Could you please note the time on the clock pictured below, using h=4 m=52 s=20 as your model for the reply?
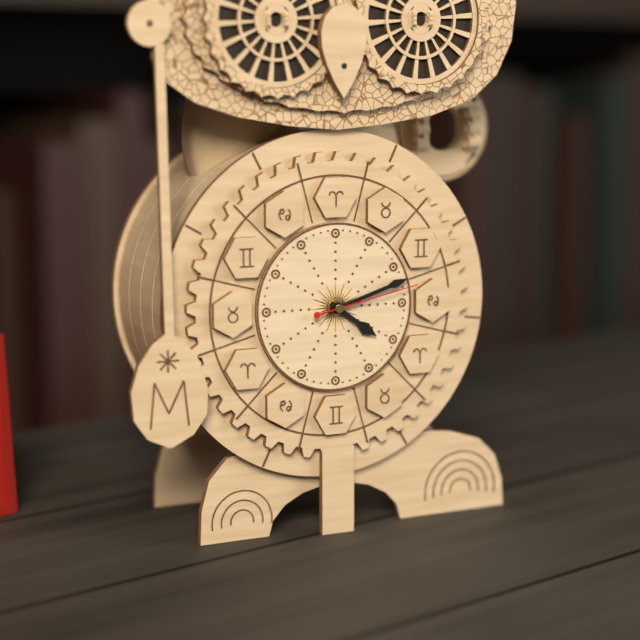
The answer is h=4 m=12 s=13
